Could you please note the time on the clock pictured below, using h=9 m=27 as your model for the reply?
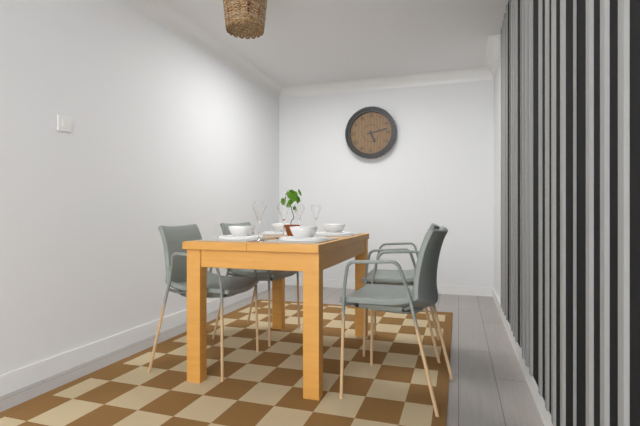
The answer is h=5 m=13
